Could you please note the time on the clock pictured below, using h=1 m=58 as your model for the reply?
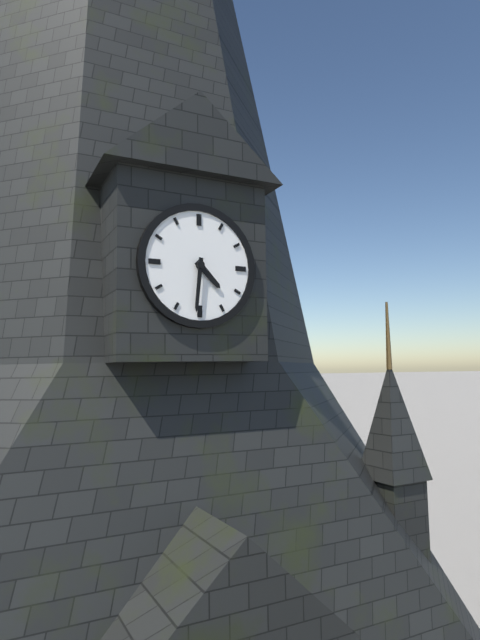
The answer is h=4 m=31
